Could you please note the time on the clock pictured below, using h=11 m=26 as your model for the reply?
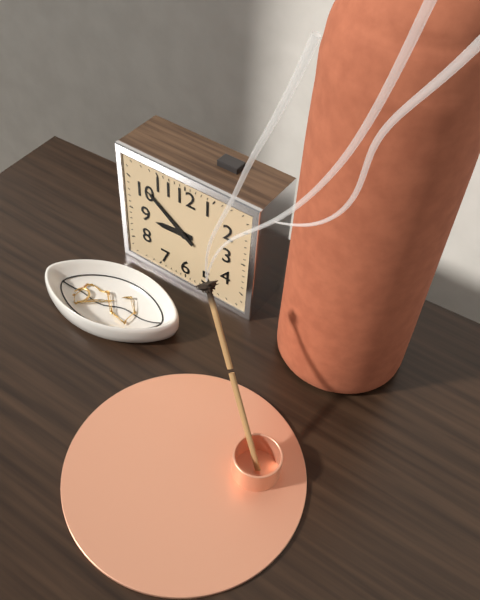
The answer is h=8 m=51
